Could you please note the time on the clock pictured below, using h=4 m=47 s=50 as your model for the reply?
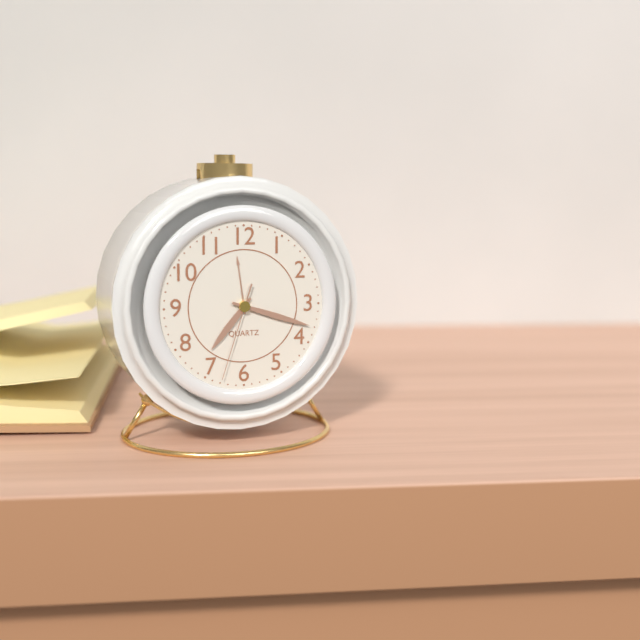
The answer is h=7 m=18 s=33
